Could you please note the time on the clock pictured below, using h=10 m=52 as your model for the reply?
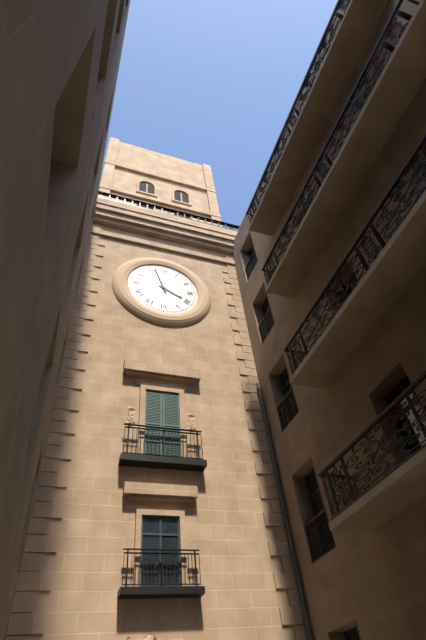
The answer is h=3 m=57
